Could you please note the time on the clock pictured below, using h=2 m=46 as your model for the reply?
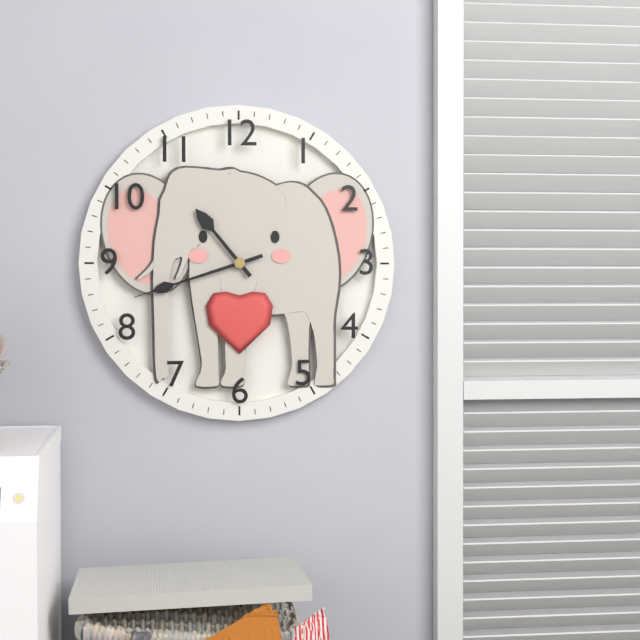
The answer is h=10 m=42
